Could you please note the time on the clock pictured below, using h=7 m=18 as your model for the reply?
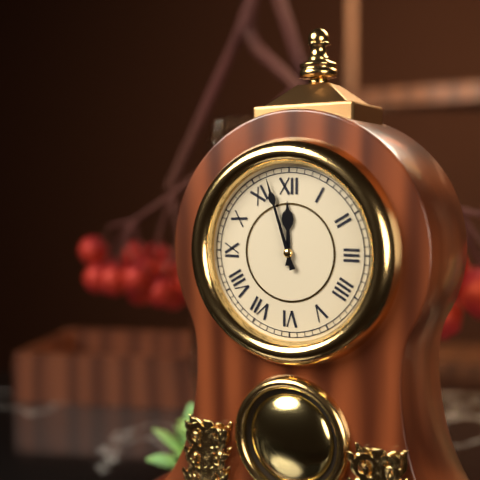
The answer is h=11 m=57
